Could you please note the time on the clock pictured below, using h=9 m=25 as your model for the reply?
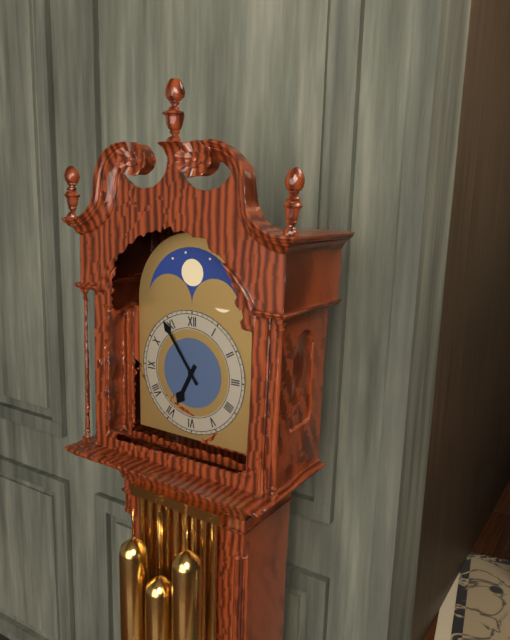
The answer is h=6 m=54
